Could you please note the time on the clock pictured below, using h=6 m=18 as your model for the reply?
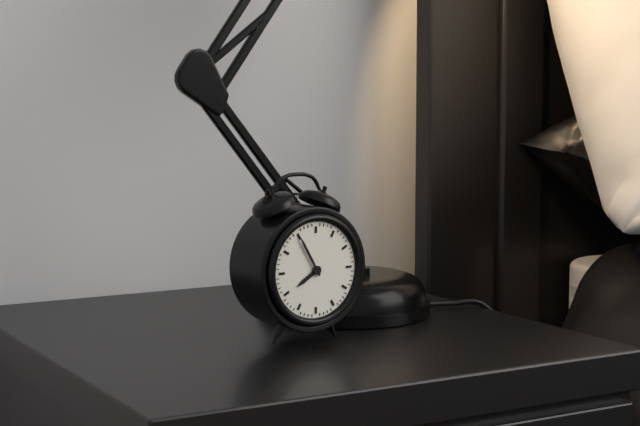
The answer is h=7 m=55
